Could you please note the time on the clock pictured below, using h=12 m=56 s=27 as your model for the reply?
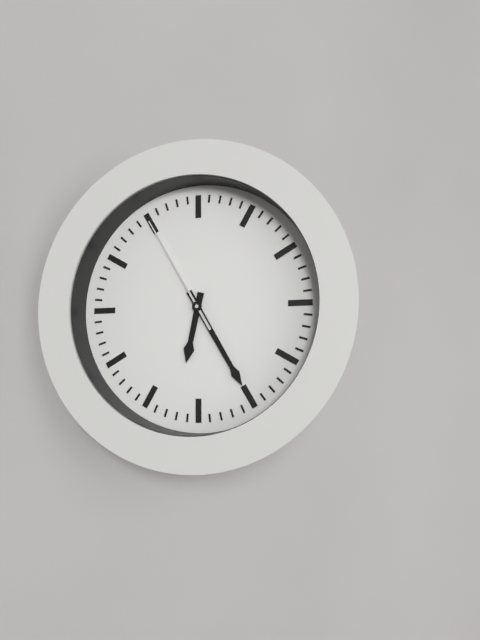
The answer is h=6 m=25 s=55
